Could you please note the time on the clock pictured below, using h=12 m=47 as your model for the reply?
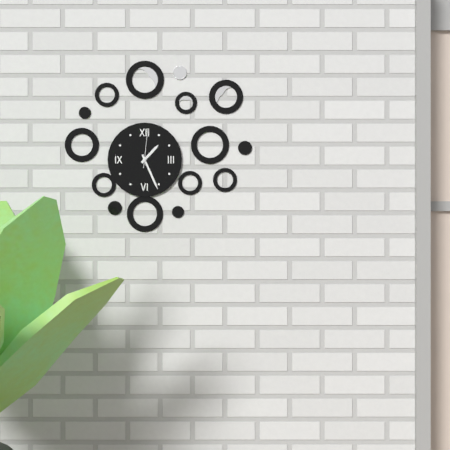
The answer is h=1 m=26
